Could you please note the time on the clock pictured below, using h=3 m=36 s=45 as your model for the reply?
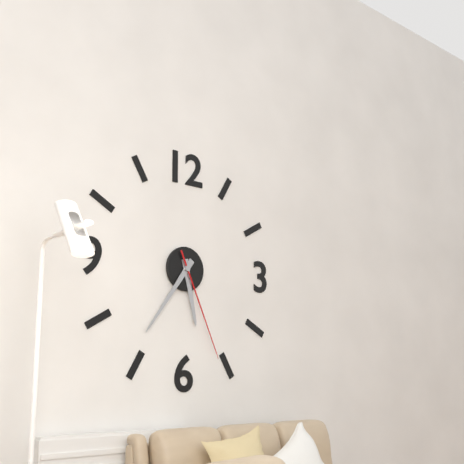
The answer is h=5 m=36 s=26
